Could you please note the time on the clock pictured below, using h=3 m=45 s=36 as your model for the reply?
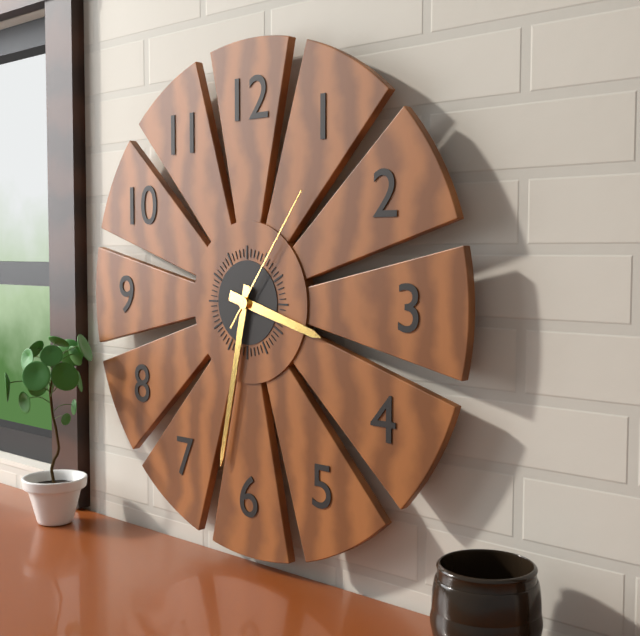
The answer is h=3 m=32 s=6
